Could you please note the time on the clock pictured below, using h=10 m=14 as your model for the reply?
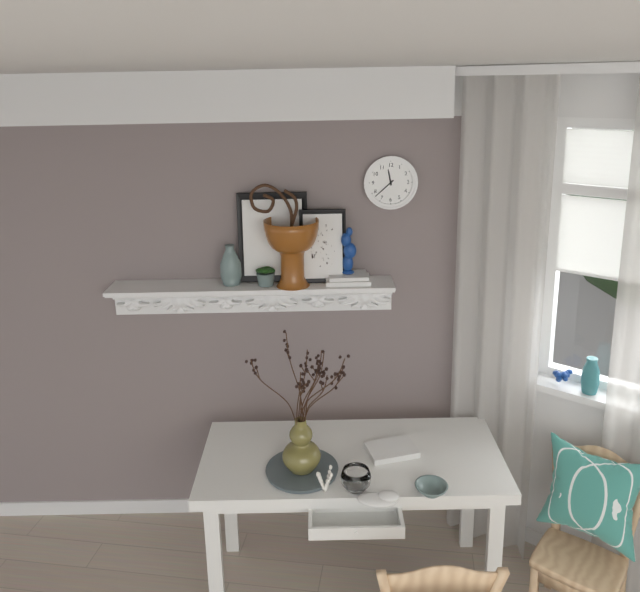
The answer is h=11 m=38
